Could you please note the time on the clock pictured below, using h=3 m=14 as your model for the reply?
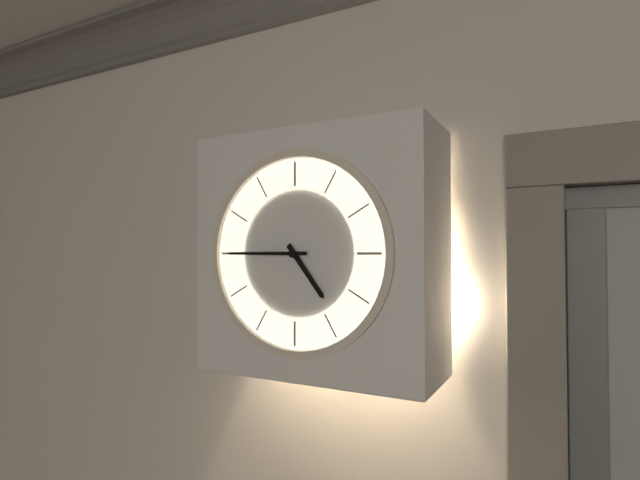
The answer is h=4 m=45
